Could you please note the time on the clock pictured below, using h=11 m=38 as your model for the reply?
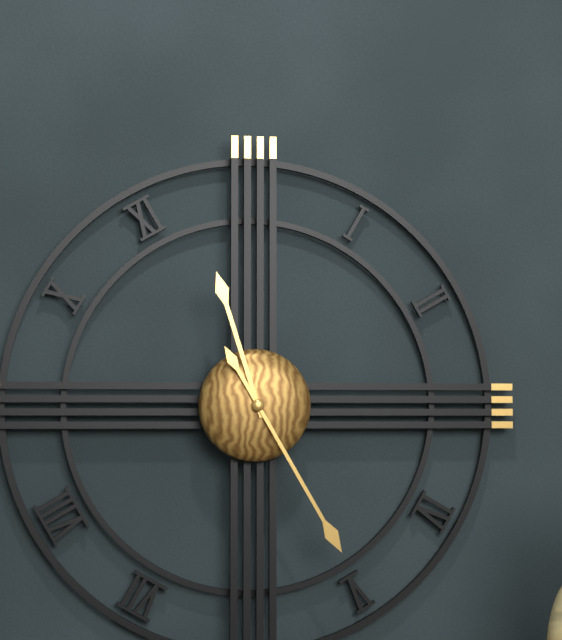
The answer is h=11 m=25
